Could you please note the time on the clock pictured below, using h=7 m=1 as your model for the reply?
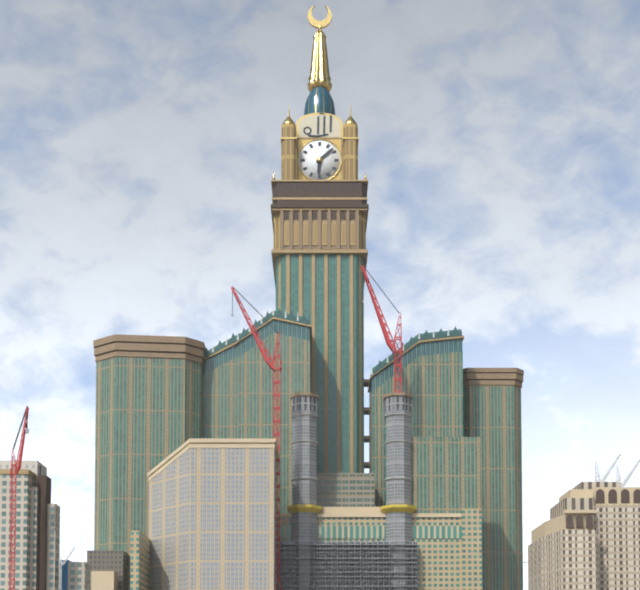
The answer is h=6 m=8
